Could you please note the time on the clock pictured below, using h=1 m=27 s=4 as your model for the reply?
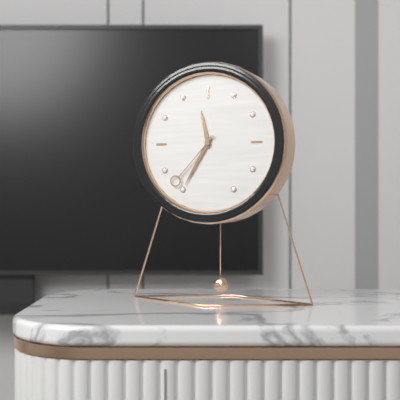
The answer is h=11 m=35 s=37
